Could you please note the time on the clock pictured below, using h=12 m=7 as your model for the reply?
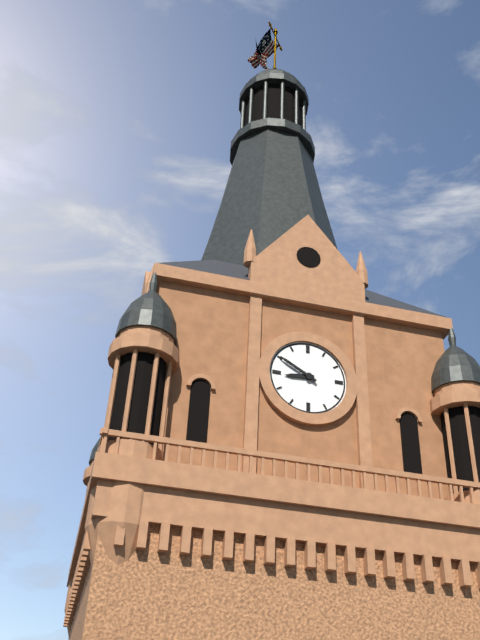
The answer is h=8 m=50
